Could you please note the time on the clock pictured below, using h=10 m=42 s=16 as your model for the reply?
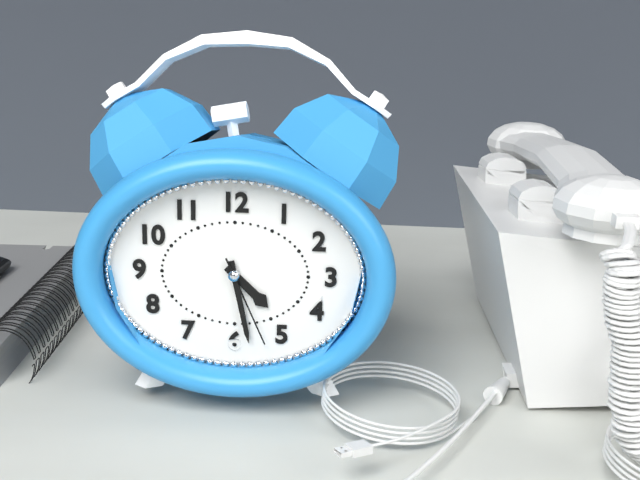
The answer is h=4 m=28 s=26
